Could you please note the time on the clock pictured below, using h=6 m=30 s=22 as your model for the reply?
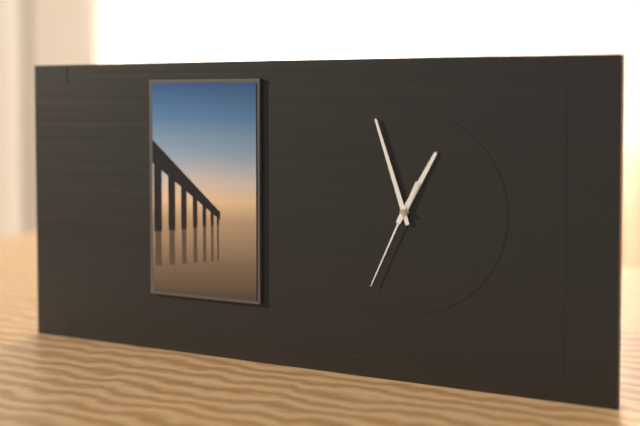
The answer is h=12 m=57 s=34
